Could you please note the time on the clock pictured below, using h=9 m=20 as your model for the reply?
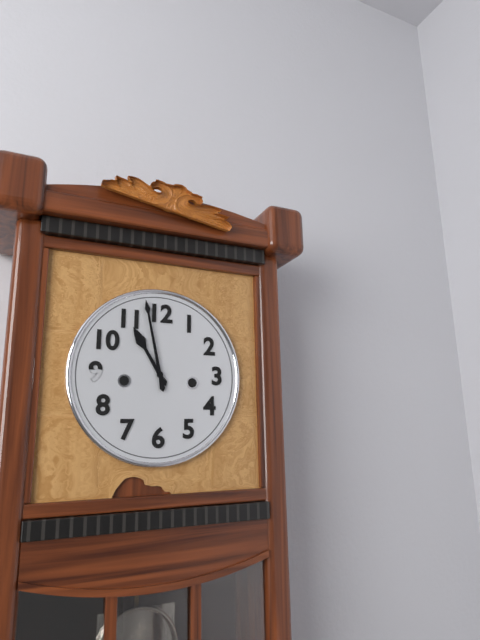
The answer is h=10 m=58
